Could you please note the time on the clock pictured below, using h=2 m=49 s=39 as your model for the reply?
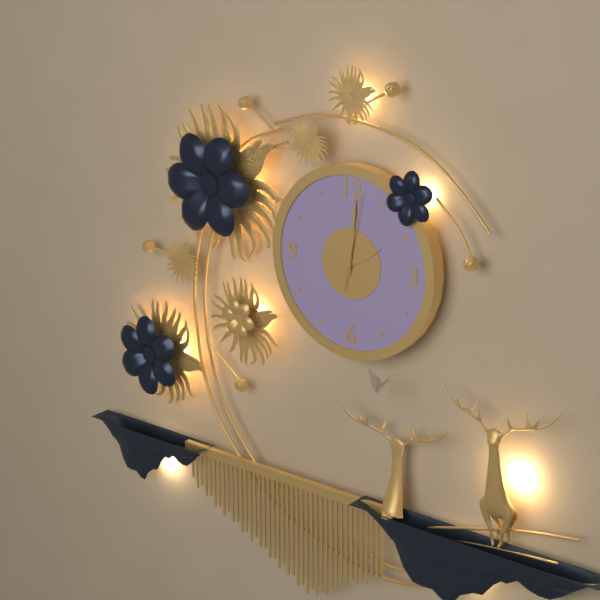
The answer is h=2 m=1 s=2
